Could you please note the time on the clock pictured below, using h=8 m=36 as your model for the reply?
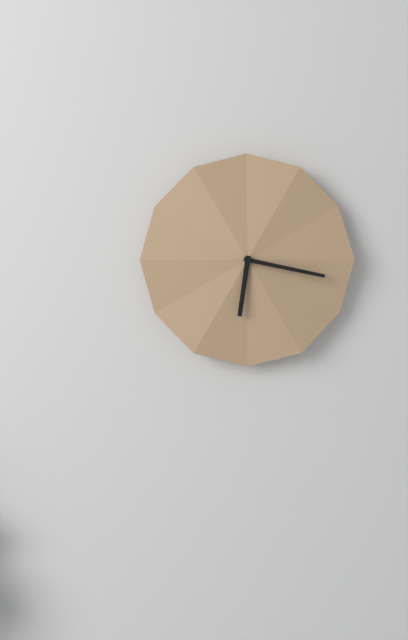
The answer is h=6 m=17
